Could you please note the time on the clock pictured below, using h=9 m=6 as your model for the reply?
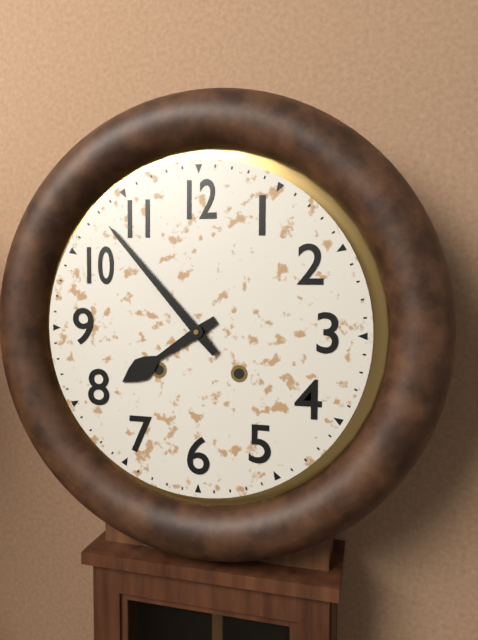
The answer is h=7 m=53
